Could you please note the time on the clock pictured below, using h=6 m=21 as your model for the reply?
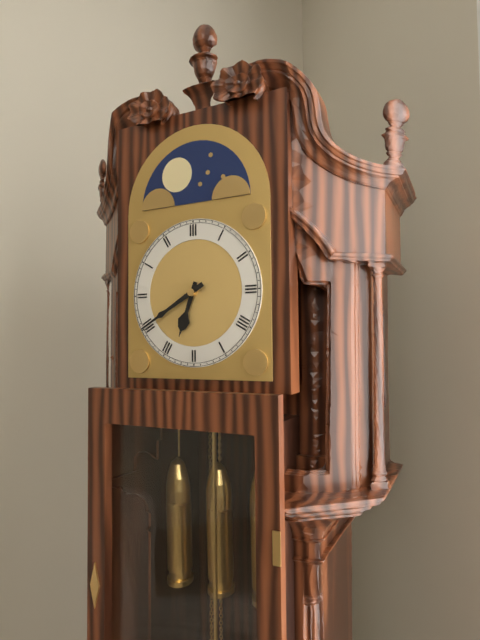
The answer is h=6 m=40
